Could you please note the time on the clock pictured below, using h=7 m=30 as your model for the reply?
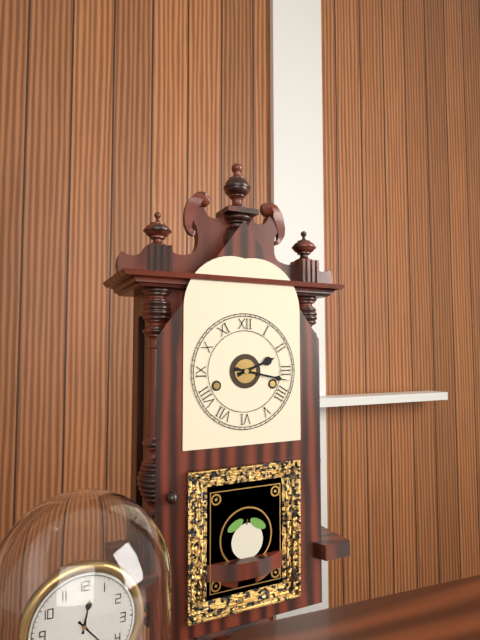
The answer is h=2 m=17
